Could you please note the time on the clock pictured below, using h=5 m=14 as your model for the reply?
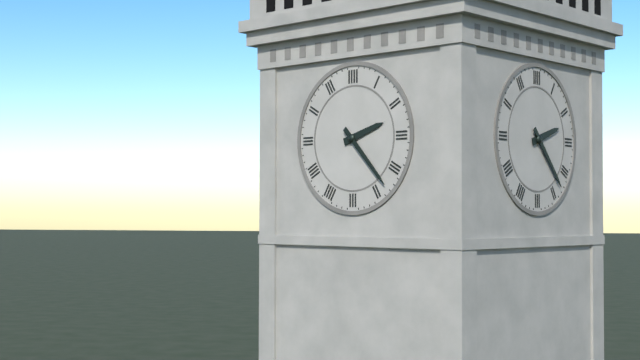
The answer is h=2 m=23
